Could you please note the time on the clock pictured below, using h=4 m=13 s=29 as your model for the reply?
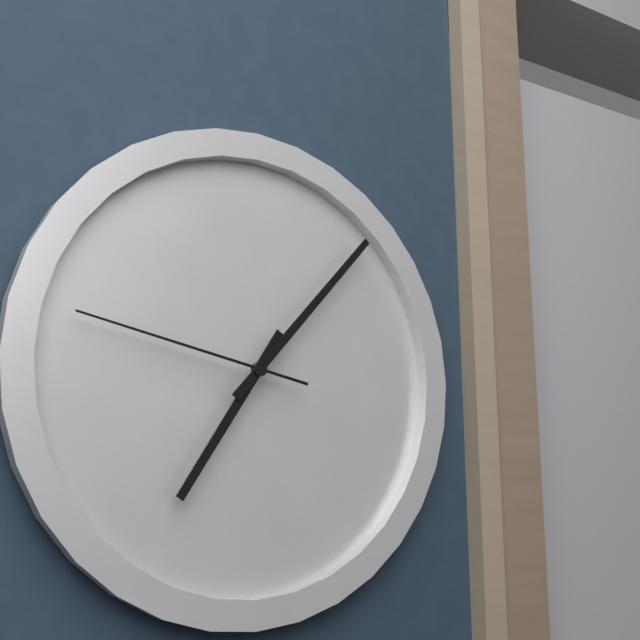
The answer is h=7 m=7 s=47
